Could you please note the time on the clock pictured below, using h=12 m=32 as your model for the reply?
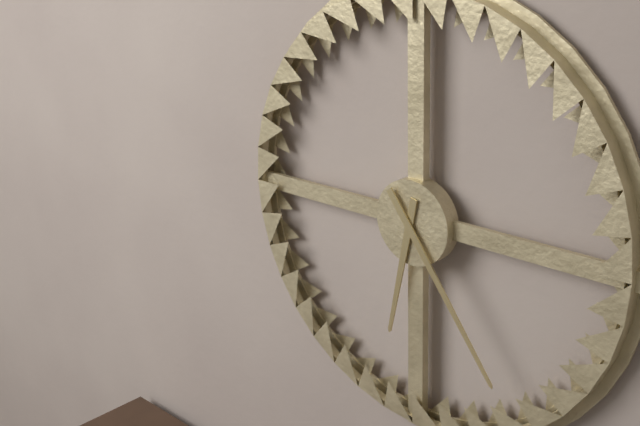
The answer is h=6 m=24
